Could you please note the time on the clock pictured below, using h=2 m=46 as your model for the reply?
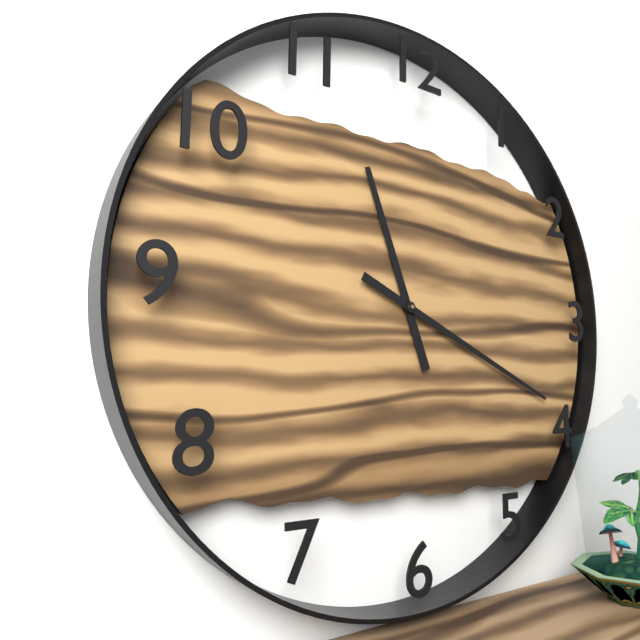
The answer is h=11 m=19
